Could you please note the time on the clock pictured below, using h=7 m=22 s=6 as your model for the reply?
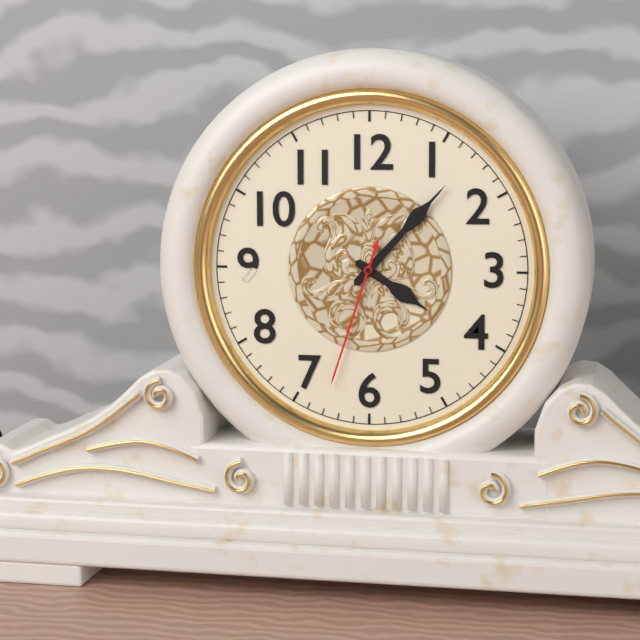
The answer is h=4 m=7 s=33
